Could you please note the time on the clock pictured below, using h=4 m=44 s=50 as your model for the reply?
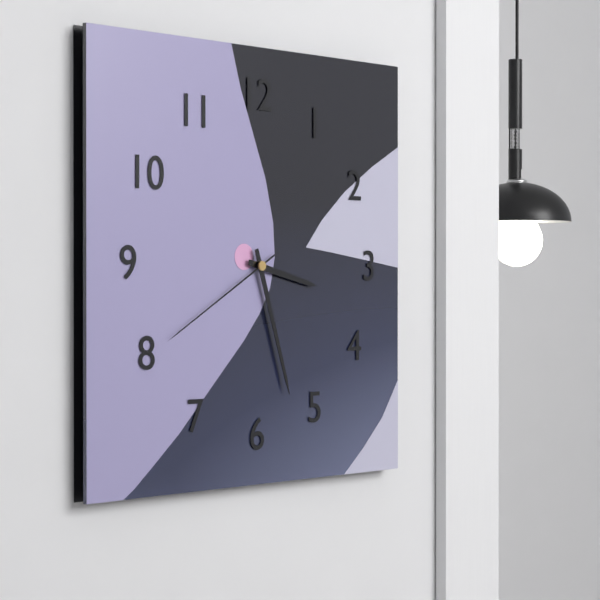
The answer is h=3 m=27 s=40
